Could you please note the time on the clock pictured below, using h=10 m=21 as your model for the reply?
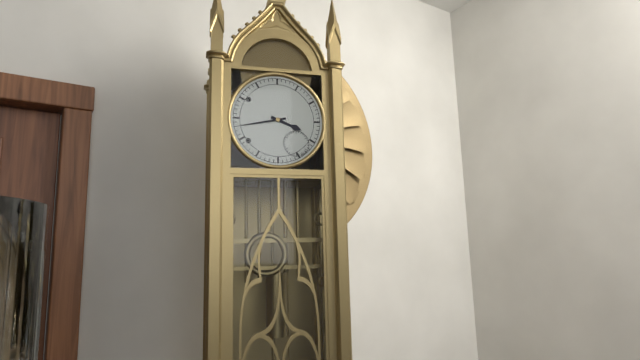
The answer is h=3 m=43
